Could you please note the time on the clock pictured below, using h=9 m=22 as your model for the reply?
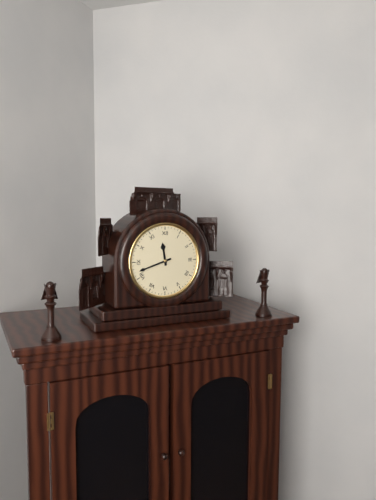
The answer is h=11 m=42
